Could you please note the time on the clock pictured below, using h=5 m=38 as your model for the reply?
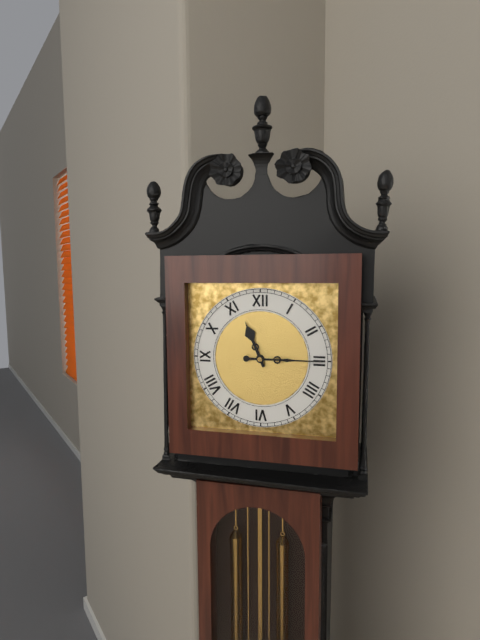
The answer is h=11 m=15
